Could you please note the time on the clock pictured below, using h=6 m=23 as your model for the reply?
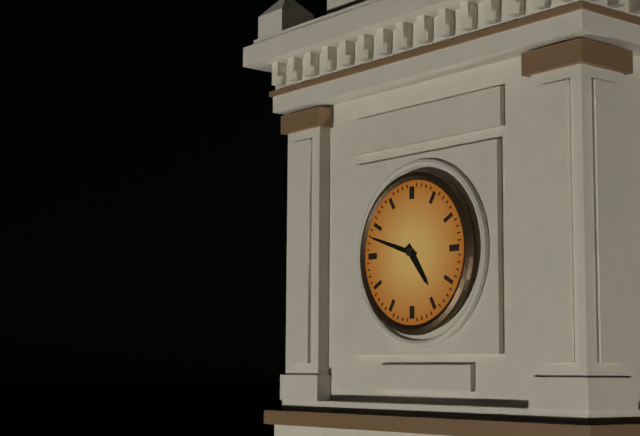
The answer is h=4 m=48
